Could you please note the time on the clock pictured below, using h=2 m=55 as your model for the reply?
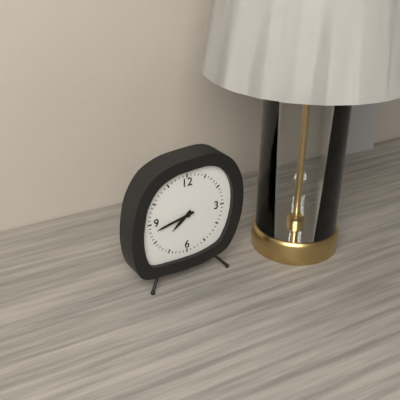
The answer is h=7 m=43
